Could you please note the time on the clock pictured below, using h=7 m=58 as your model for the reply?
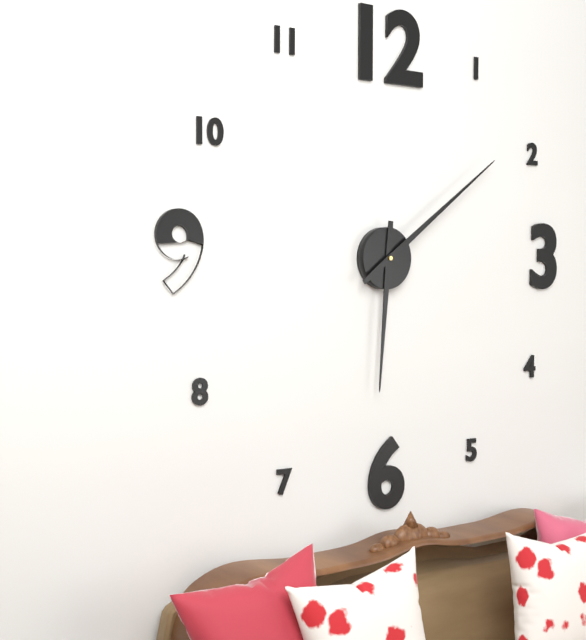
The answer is h=6 m=9
